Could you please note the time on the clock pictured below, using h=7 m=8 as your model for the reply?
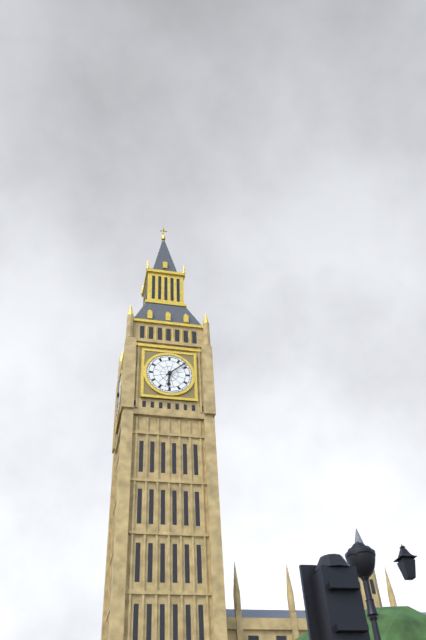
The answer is h=6 m=8
